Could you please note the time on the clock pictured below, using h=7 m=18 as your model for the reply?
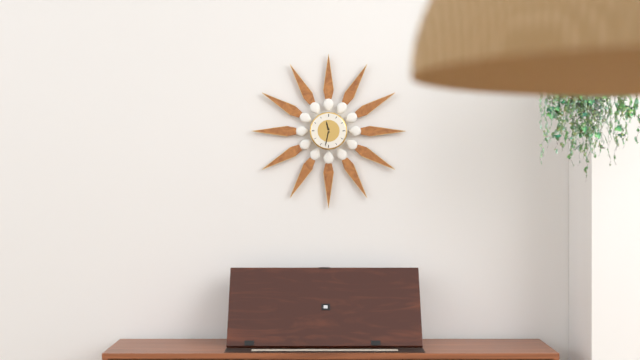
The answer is h=11 m=32
